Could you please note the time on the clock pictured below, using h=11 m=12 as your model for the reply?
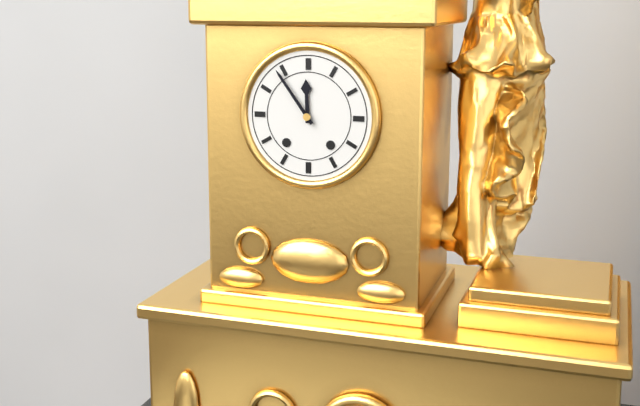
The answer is h=11 m=54
